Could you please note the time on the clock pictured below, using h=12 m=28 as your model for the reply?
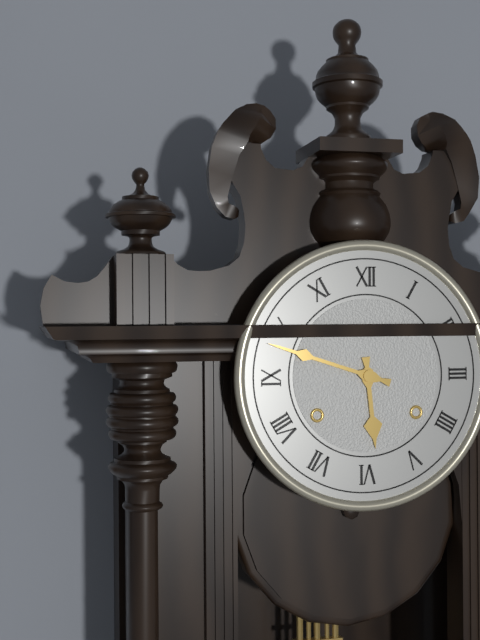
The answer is h=5 m=48
